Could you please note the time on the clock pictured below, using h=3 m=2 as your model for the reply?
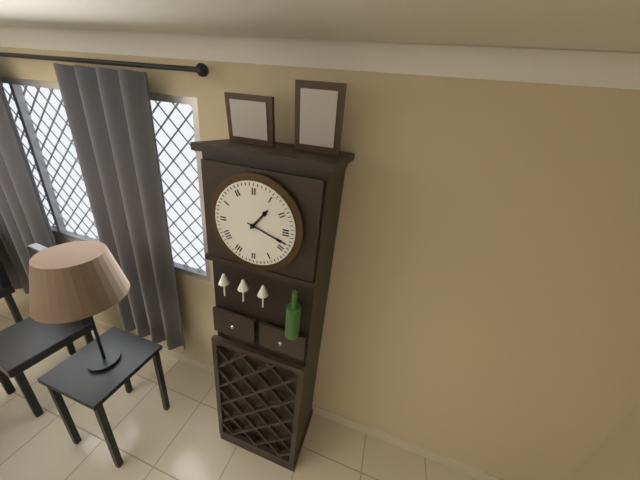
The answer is h=1 m=18
